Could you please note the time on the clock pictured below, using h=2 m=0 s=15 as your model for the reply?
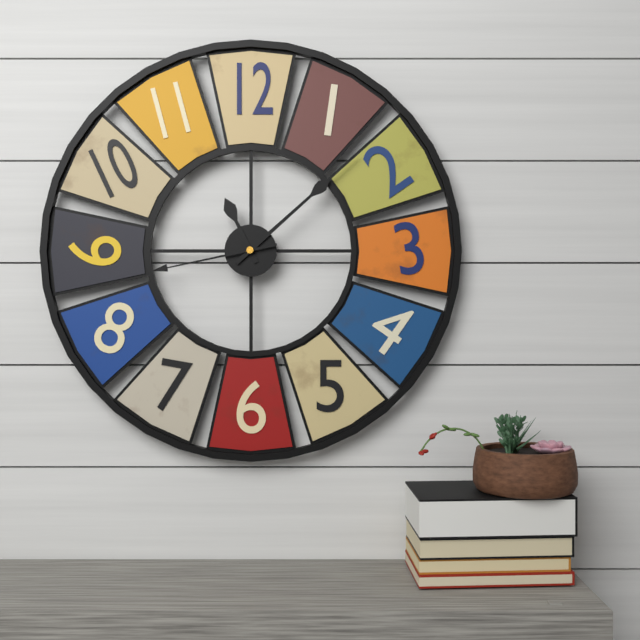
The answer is h=11 m=8 s=43
